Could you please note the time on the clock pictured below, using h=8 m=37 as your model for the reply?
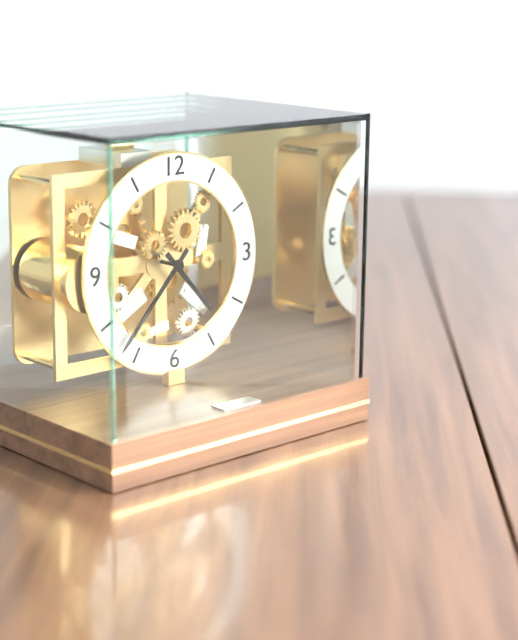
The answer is h=4 m=37
